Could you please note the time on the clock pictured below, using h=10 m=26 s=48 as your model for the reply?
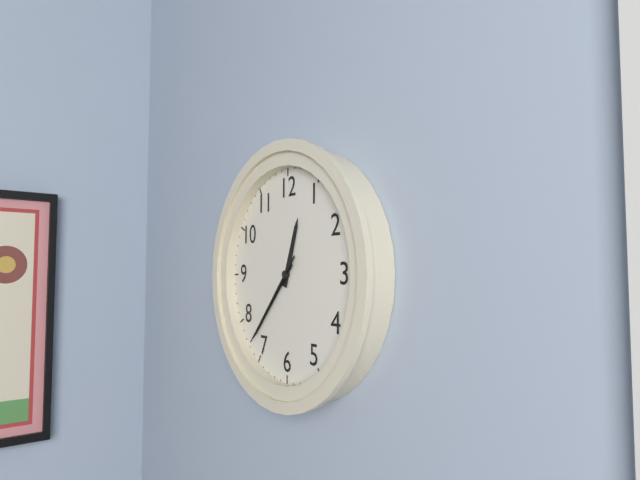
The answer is h=12 m=37 s=37
